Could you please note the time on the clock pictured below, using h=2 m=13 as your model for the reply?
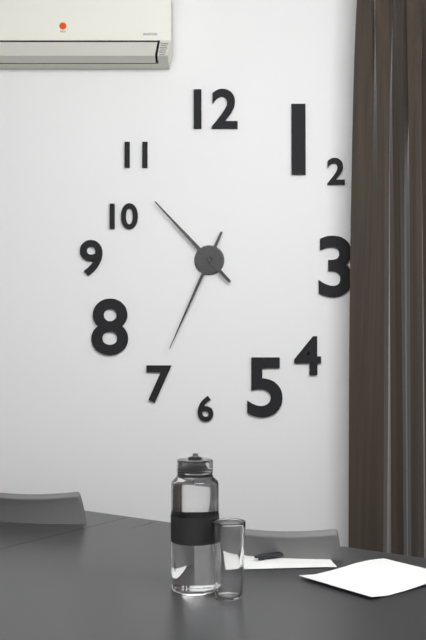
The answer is h=10 m=34
